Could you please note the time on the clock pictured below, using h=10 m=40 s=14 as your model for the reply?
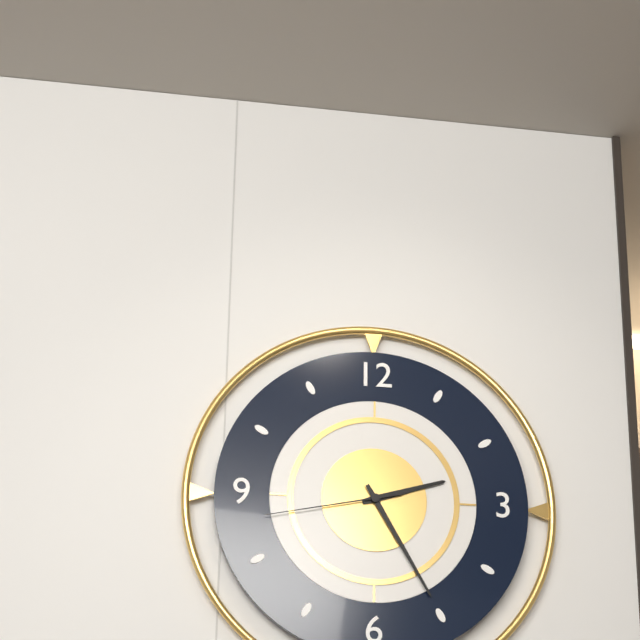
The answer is h=2 m=25 s=43
